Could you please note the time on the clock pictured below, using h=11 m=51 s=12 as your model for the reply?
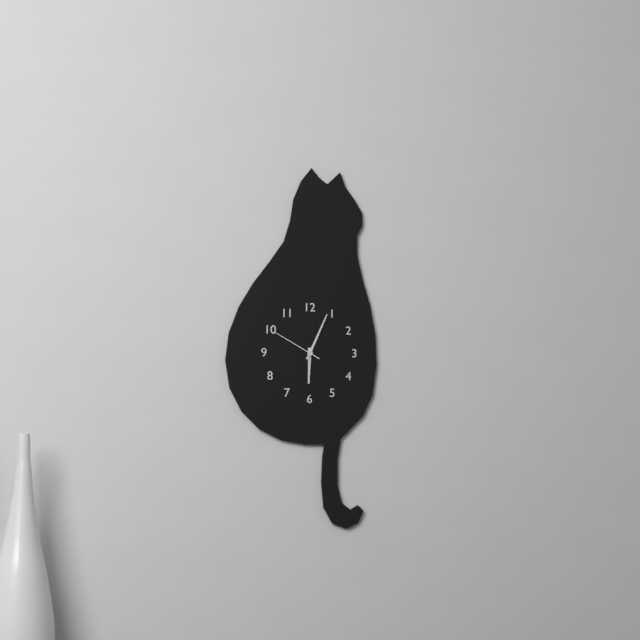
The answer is h=6 m=4 s=50
